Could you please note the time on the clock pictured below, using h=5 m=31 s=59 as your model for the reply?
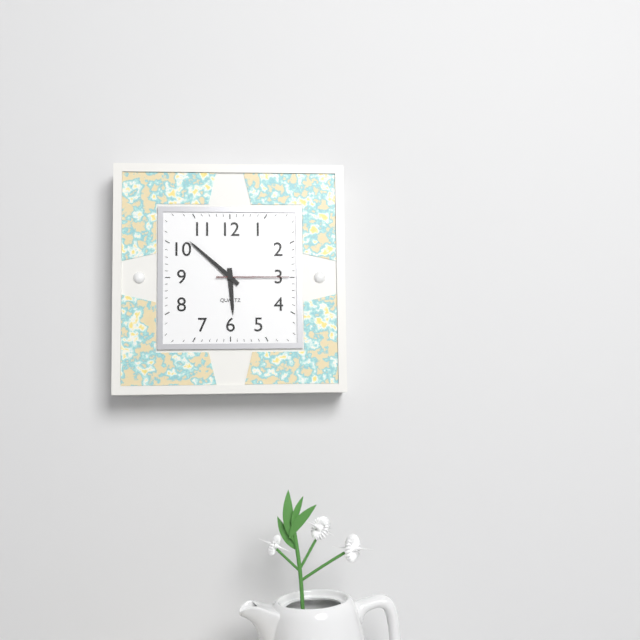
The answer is h=5 m=52 s=15
